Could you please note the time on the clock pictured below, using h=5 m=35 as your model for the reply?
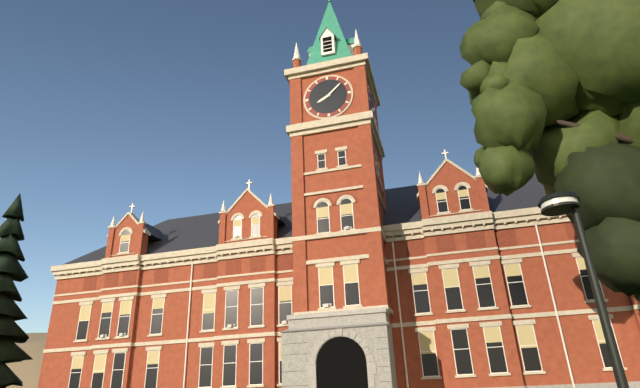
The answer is h=8 m=8
